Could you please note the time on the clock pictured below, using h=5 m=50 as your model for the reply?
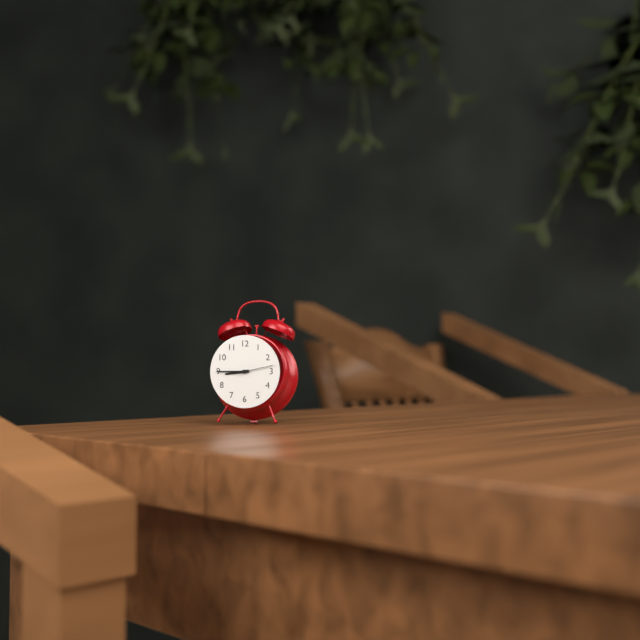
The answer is h=8 m=45
